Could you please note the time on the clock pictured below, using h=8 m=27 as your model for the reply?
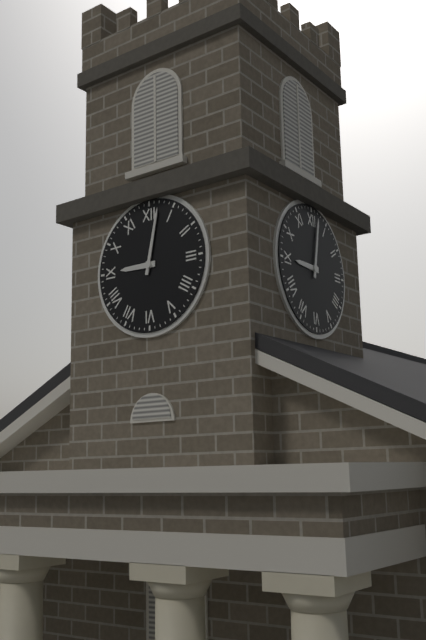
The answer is h=9 m=2
